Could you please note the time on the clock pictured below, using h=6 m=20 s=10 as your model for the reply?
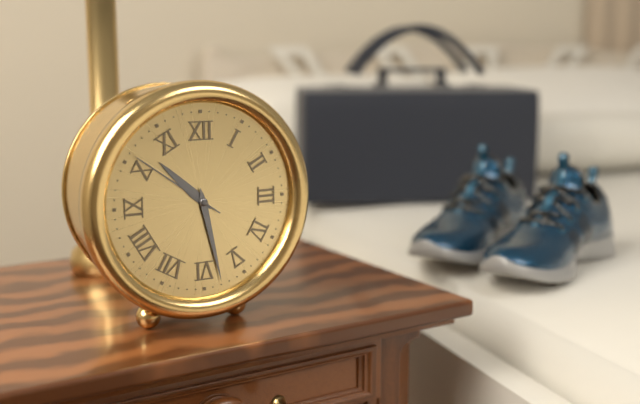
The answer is h=10 m=28 s=51
